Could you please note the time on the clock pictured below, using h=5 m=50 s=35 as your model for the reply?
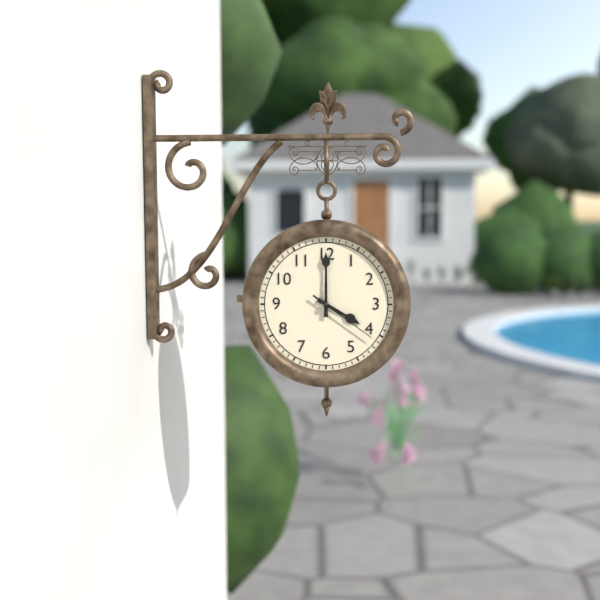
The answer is h=4 m=0 s=21
